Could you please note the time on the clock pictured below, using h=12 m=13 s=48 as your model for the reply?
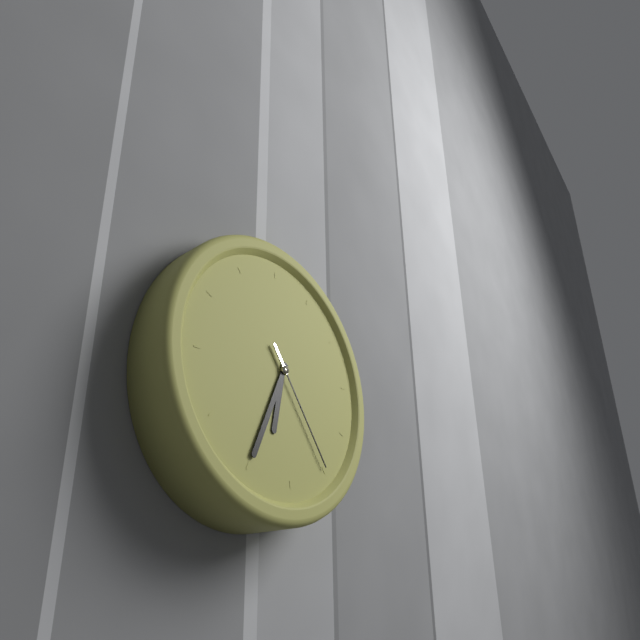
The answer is h=6 m=35 s=25
